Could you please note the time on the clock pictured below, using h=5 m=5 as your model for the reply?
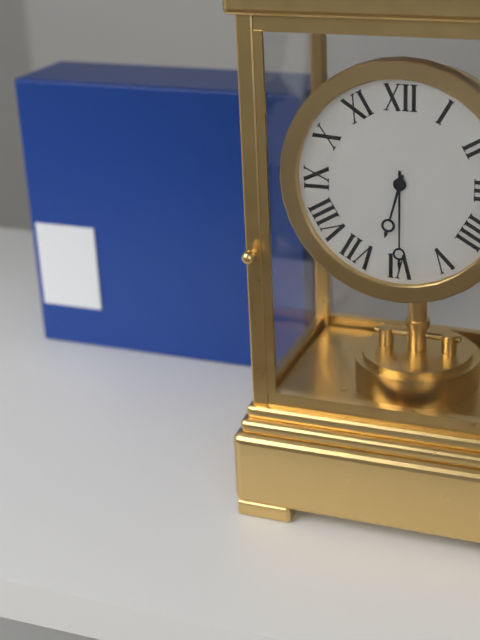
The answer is h=6 m=30
